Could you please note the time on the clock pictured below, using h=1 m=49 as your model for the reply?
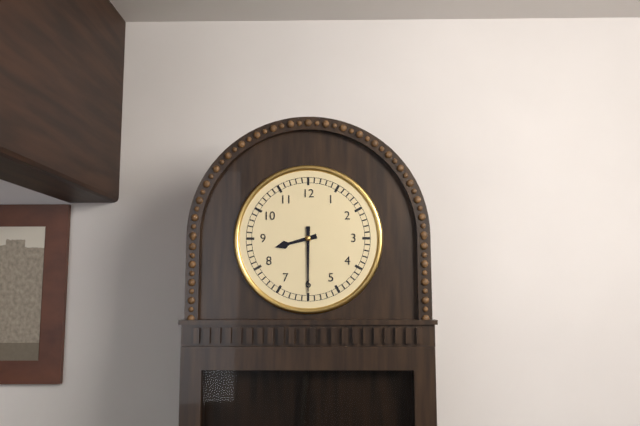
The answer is h=8 m=30
